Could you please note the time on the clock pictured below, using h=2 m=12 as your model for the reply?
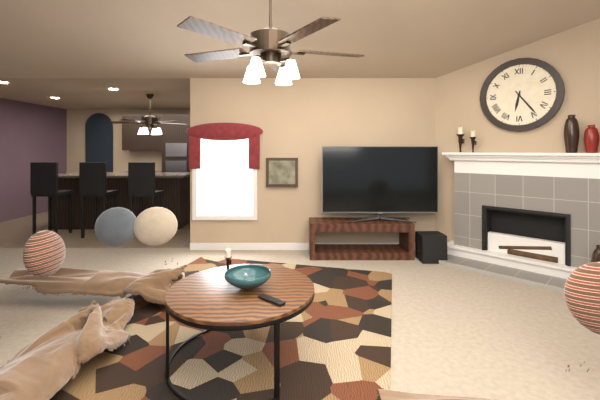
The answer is h=6 m=24
